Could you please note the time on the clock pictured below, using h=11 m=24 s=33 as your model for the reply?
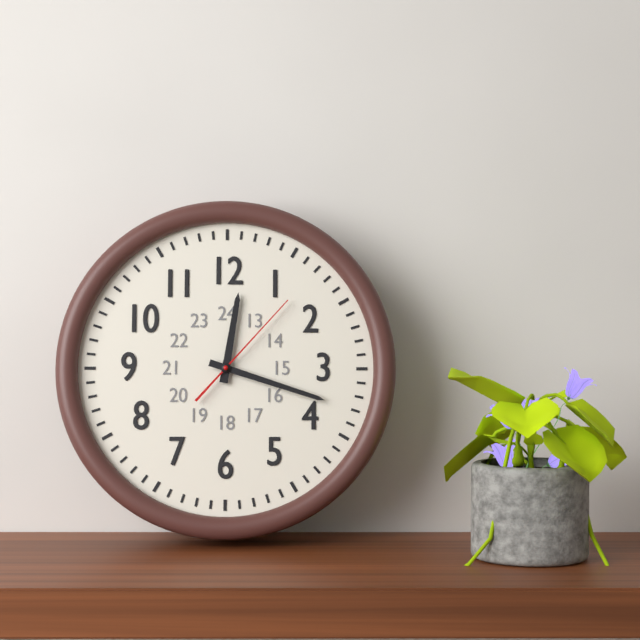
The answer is h=12 m=18 s=7
